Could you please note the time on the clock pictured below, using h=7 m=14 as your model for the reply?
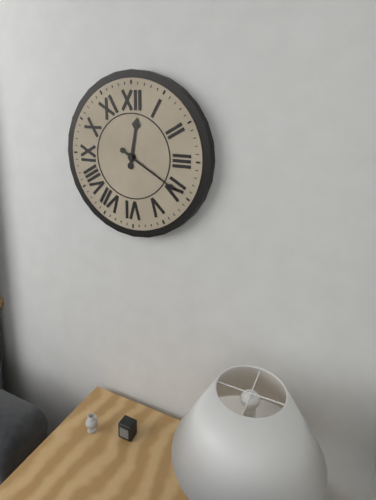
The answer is h=12 m=20
